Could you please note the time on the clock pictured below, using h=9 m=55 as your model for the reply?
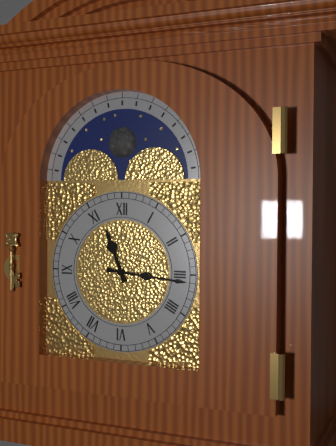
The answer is h=11 m=16
